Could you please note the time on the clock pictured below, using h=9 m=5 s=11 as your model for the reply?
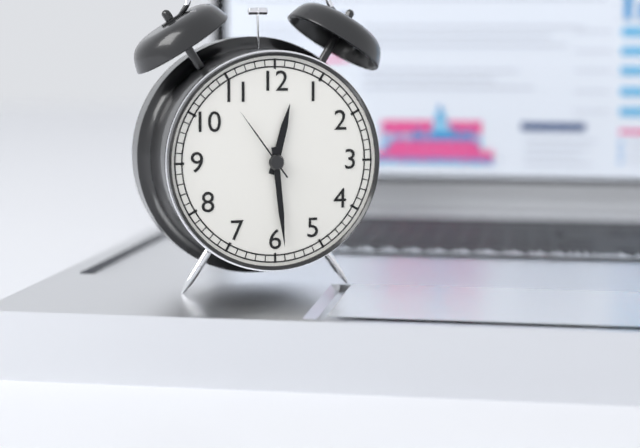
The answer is h=12 m=29 s=54
